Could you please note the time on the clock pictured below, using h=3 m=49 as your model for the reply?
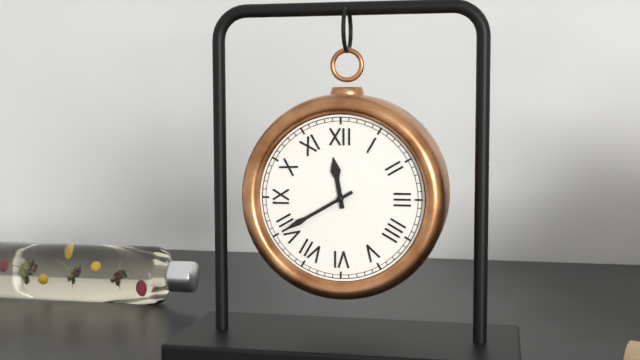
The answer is h=11 m=40
